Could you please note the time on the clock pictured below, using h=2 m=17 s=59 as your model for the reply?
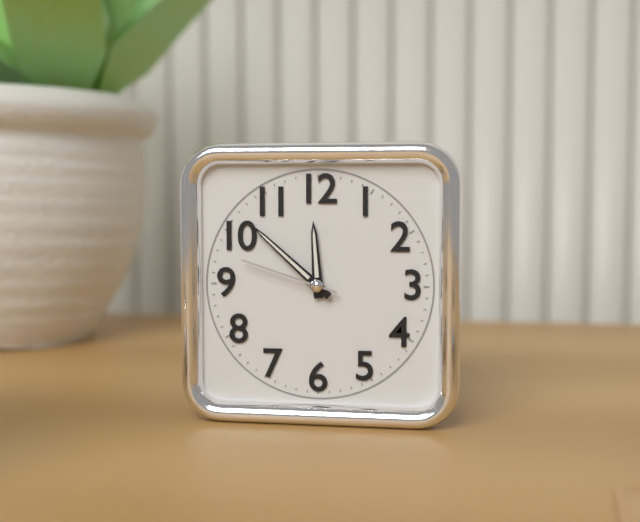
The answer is h=11 m=52 s=48
